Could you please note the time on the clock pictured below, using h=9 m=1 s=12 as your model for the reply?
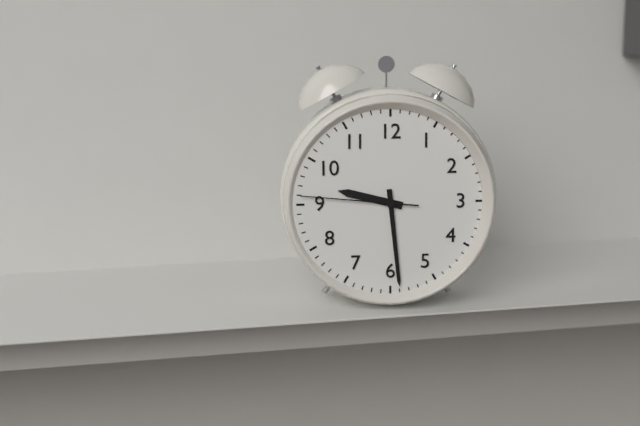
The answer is h=9 m=29 s=46
